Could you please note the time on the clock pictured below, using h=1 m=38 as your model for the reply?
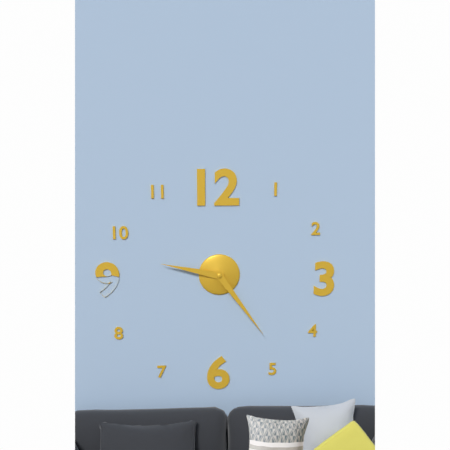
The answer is h=9 m=24
